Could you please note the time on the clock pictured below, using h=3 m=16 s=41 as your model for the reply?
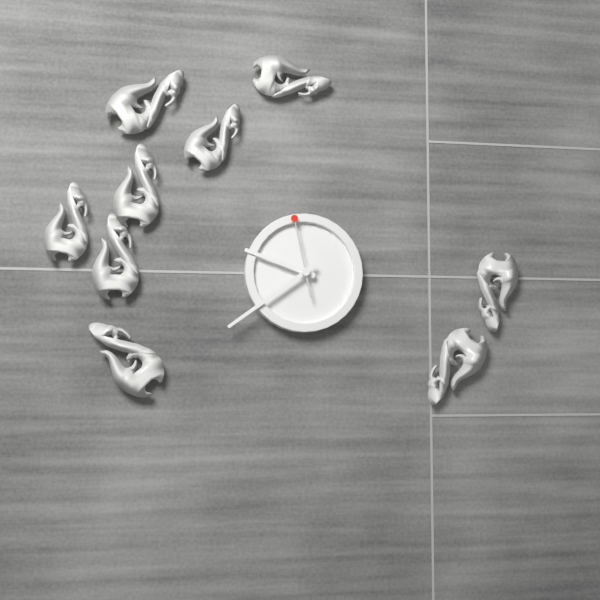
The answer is h=9 m=39 s=58
